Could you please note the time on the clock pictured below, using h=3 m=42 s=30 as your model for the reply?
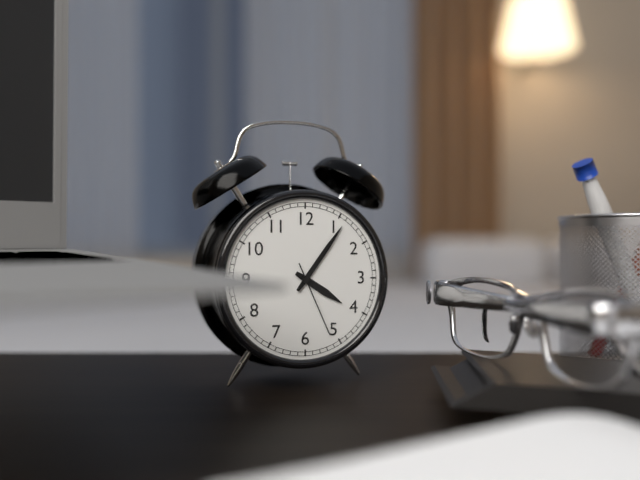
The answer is h=4 m=6 s=26
